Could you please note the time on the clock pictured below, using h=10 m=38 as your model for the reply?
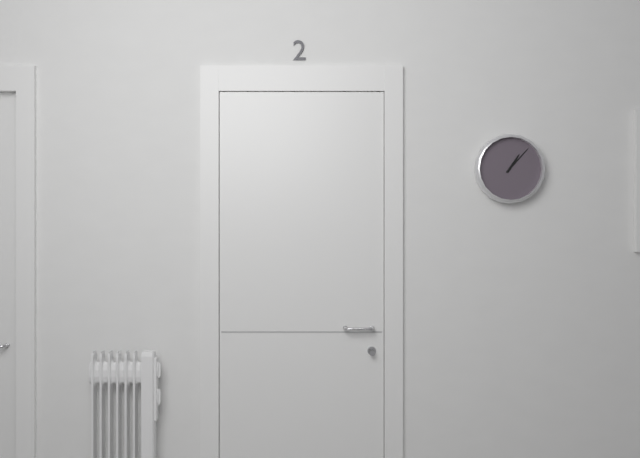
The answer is h=1 m=7
